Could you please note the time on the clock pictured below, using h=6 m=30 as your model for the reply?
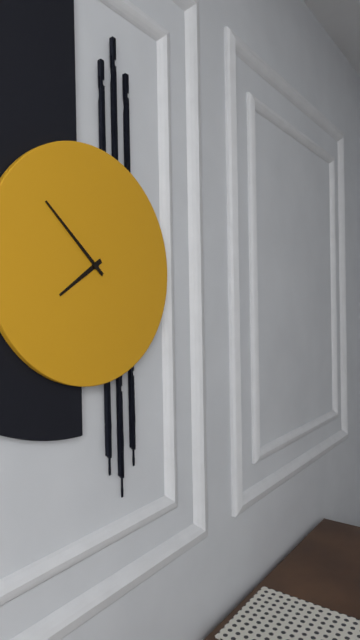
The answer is h=7 m=52
